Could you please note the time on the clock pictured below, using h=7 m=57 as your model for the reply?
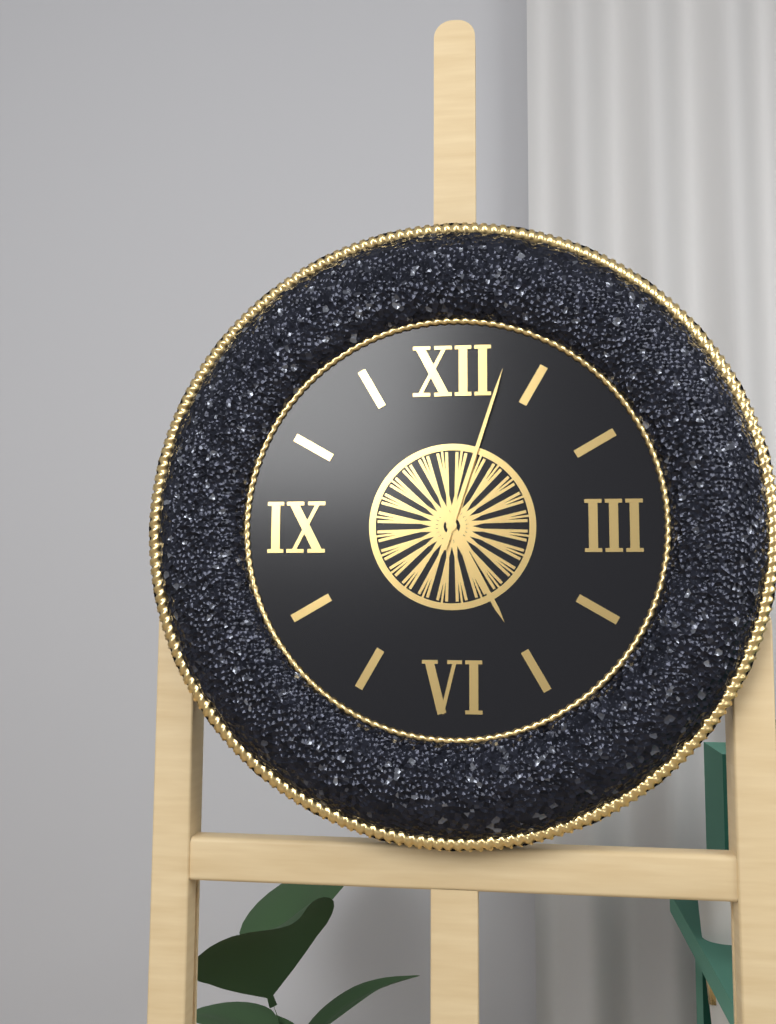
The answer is h=5 m=3
